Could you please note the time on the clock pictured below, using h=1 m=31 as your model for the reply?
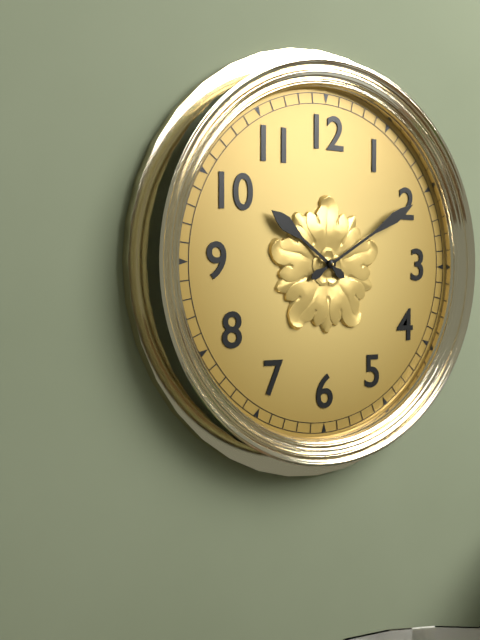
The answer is h=10 m=10
